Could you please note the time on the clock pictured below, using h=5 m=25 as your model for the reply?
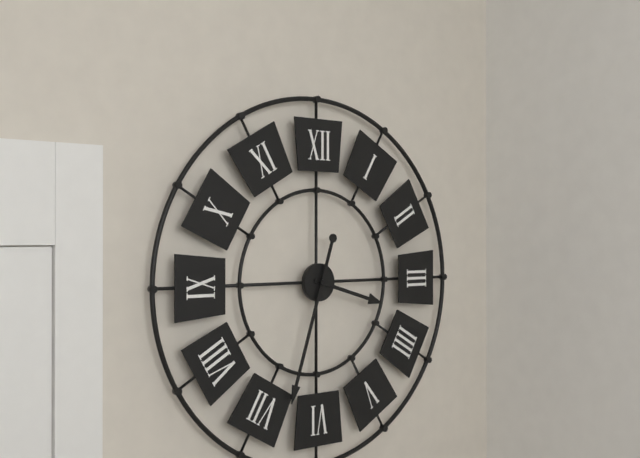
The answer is h=3 m=33
